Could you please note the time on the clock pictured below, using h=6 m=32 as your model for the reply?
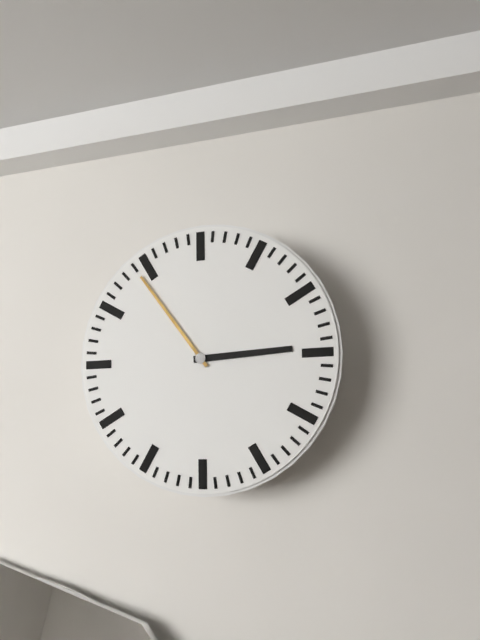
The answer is h=2 m=54
